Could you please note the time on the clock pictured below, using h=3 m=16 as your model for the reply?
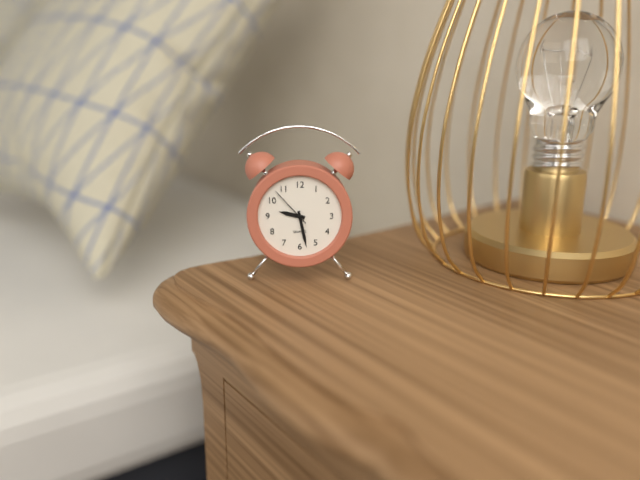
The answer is h=9 m=28
